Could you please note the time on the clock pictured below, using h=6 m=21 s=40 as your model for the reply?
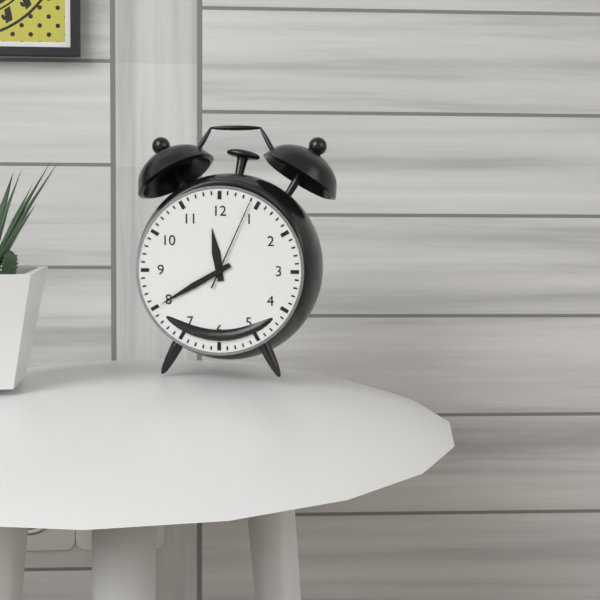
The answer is h=11 m=40 s=4
